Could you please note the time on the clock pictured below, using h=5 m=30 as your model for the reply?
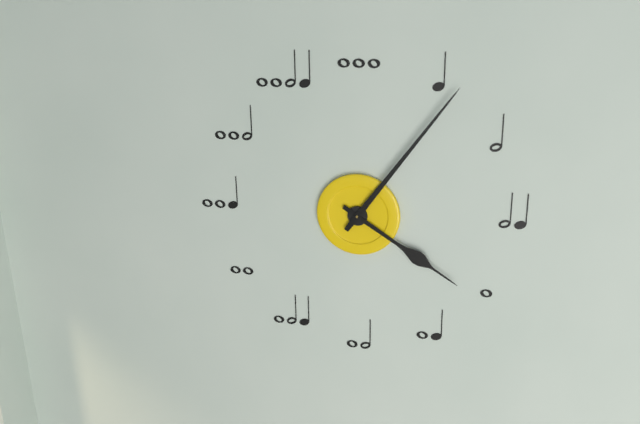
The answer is h=4 m=6
